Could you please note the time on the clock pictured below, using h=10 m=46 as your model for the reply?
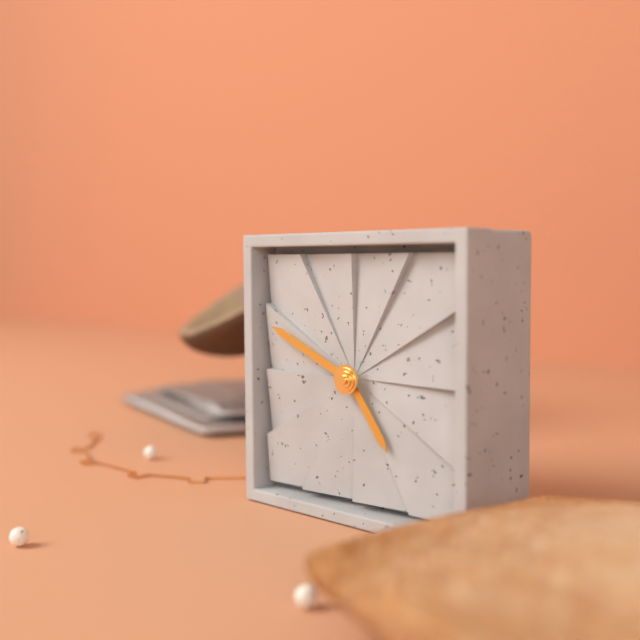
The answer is h=4 m=49
